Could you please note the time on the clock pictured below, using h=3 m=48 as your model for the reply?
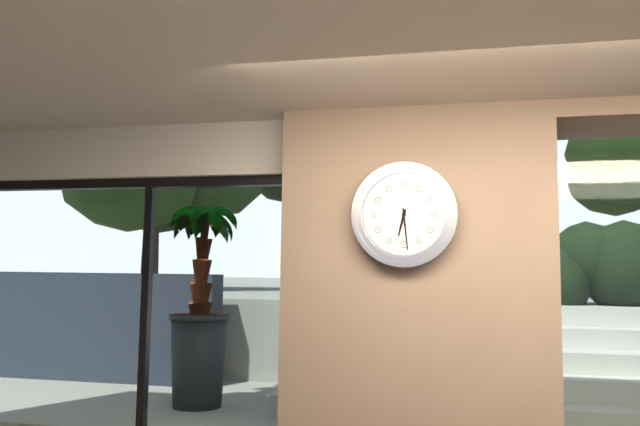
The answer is h=6 m=29
